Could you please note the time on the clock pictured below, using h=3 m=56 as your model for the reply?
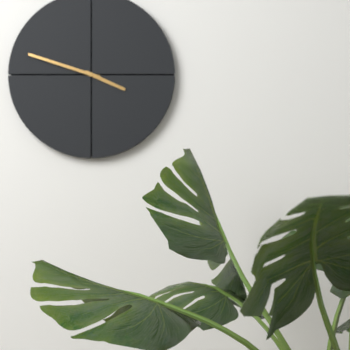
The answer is h=3 m=48
